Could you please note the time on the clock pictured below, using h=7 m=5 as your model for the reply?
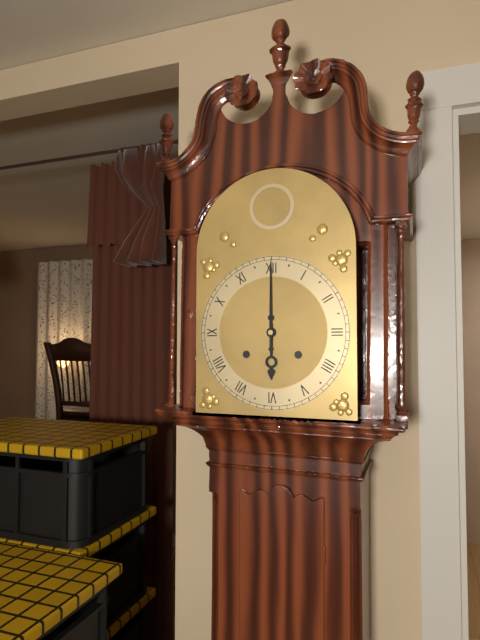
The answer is h=6 m=0
